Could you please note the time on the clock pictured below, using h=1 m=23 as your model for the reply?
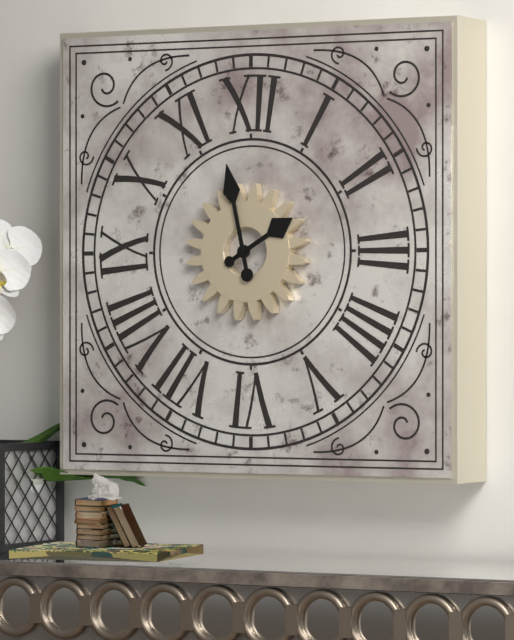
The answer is h=1 m=58
